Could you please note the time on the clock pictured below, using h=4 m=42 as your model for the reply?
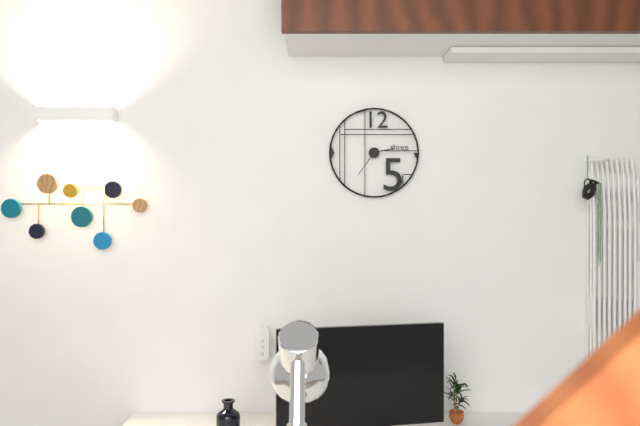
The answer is h=2 m=36
